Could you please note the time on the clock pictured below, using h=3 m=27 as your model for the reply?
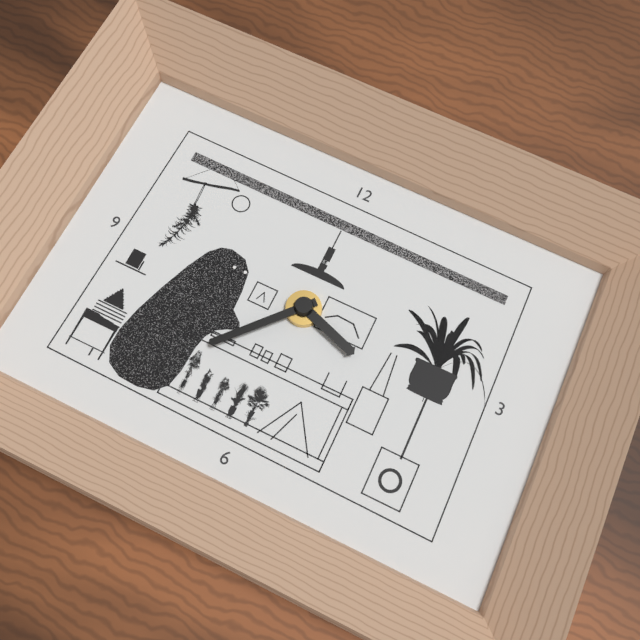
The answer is h=3 m=37
